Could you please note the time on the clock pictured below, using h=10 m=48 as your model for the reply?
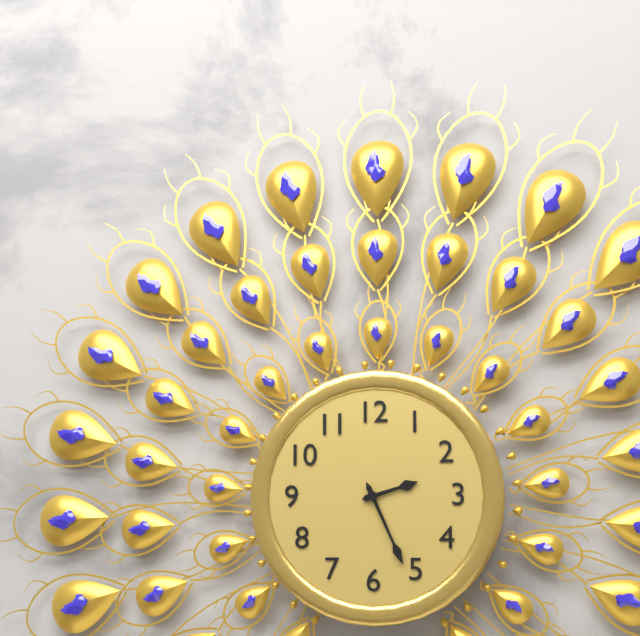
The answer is h=2 m=26
